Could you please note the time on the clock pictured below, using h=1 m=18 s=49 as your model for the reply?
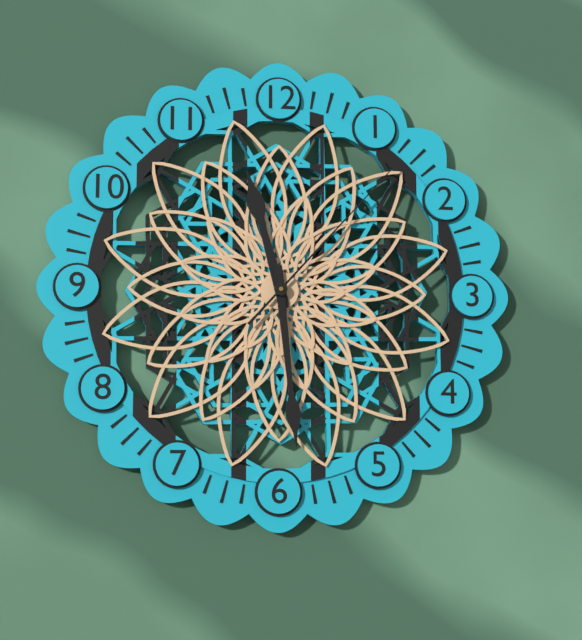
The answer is h=11 m=29 s=7
